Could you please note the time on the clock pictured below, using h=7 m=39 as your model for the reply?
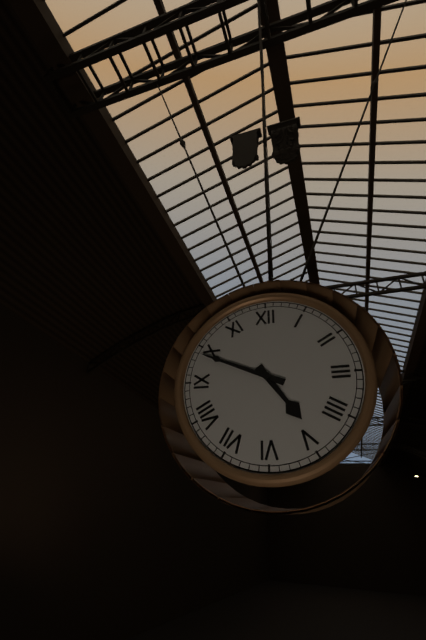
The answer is h=4 m=49
